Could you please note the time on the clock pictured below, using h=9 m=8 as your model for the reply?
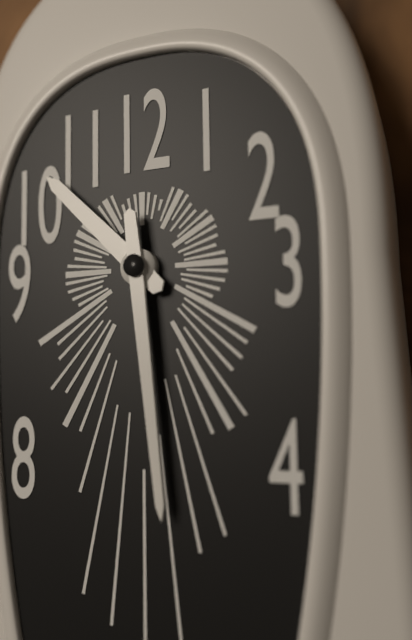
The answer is h=10 m=29
